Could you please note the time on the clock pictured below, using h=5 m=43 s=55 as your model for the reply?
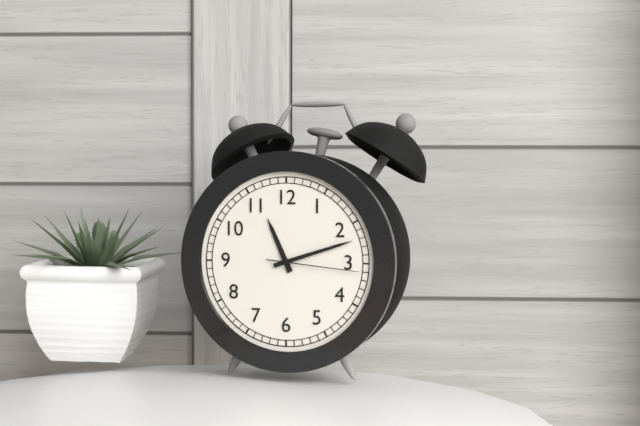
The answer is h=11 m=12 s=16
